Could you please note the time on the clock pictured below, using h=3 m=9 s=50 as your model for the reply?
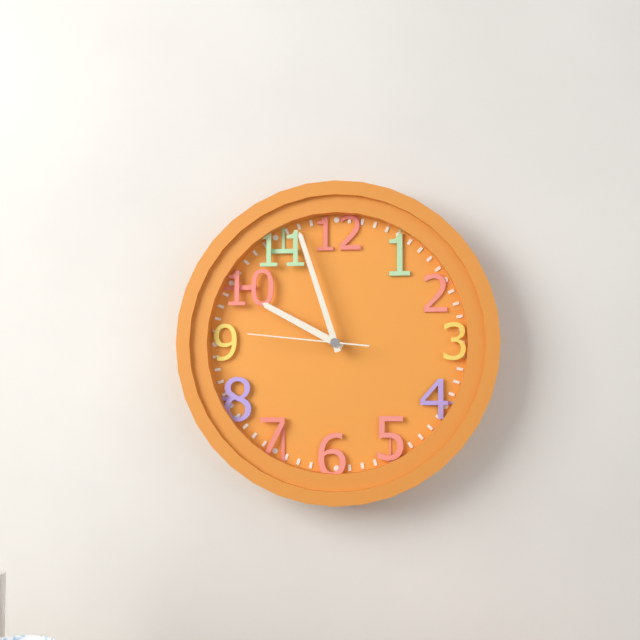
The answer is h=9 m=57 s=46
